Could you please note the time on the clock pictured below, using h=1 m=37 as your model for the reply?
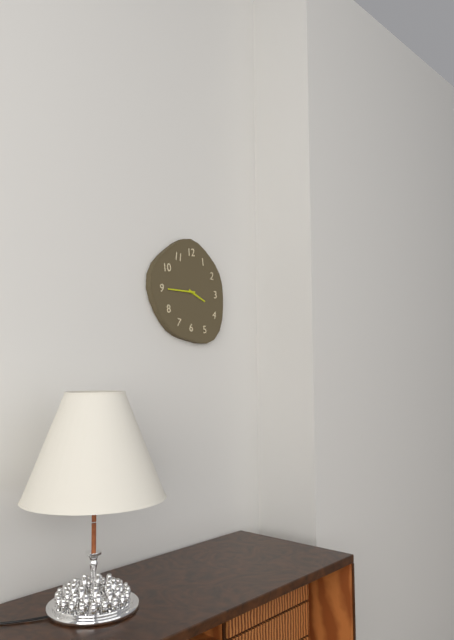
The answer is h=3 m=45
